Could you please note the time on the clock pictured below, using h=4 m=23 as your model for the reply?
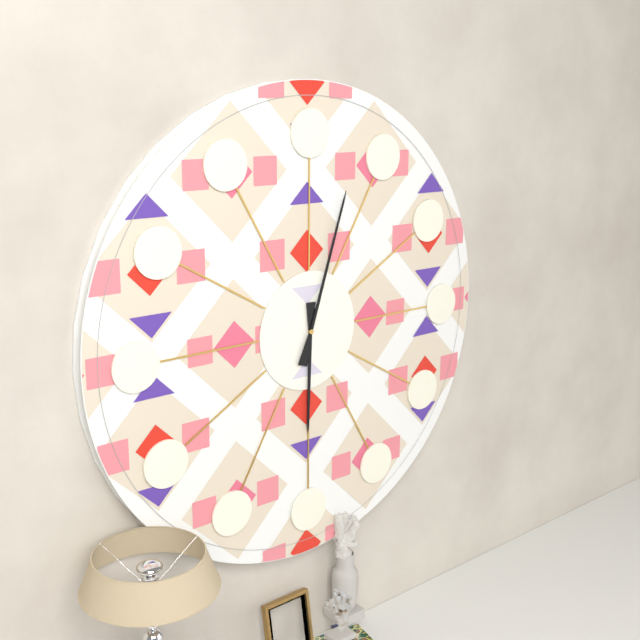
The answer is h=6 m=3
